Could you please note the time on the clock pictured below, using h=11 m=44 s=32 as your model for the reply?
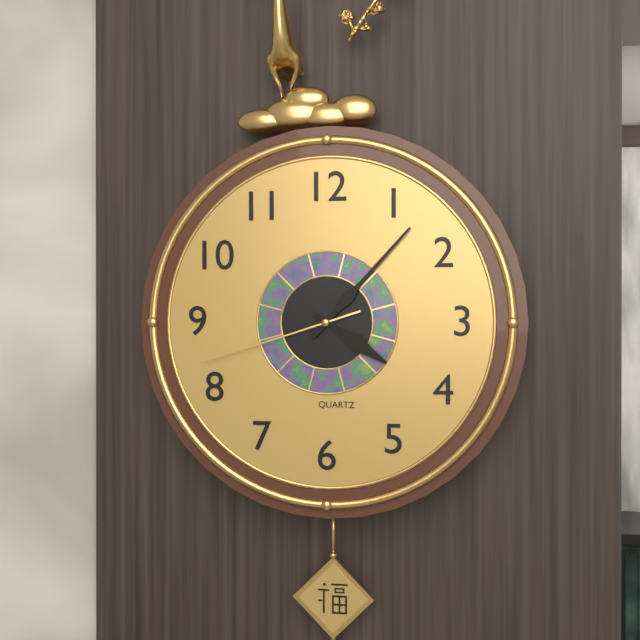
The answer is h=4 m=7 s=42
